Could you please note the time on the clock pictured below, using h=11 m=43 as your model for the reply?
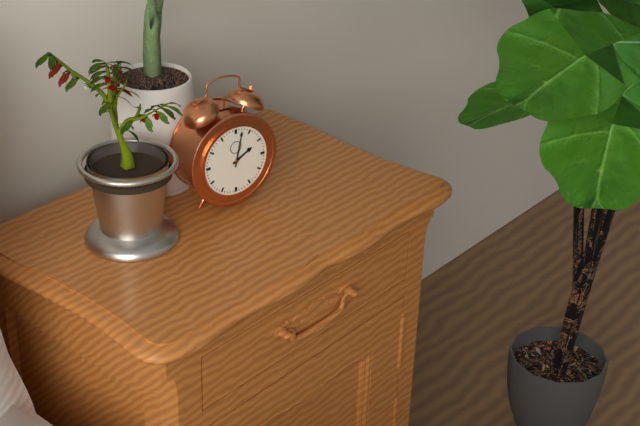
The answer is h=2 m=2
